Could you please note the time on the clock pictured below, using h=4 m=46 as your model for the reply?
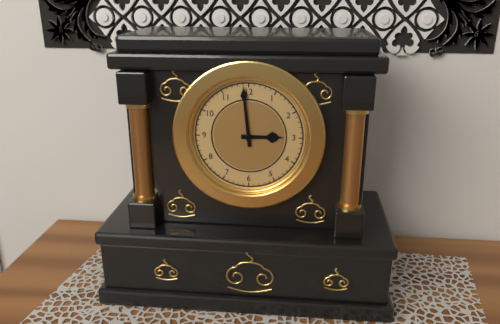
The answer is h=2 m=59
